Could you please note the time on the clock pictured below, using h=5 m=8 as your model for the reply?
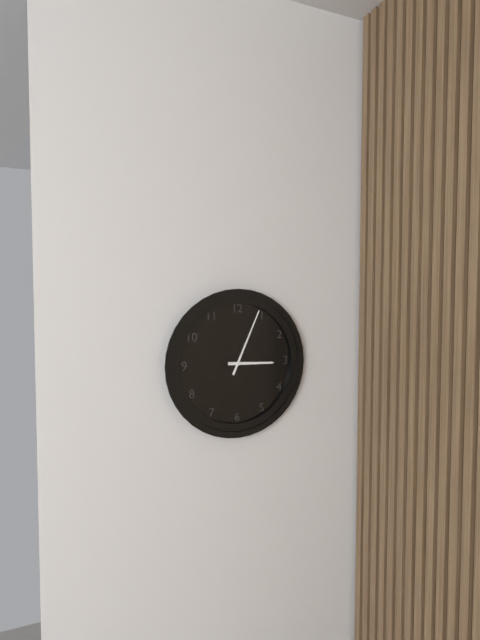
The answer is h=3 m=4
